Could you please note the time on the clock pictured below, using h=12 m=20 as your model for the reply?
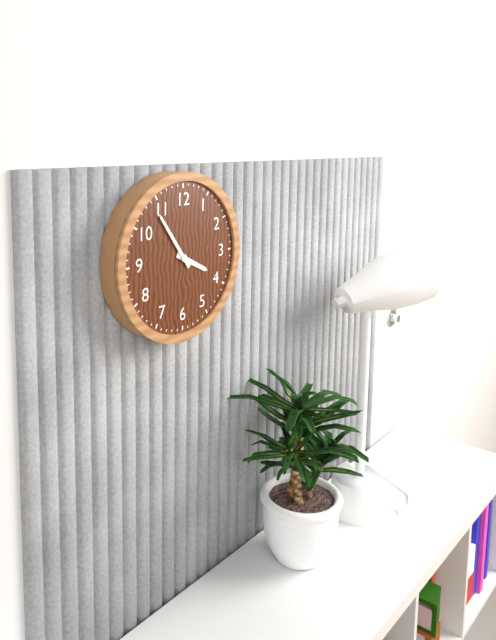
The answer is h=3 m=54
